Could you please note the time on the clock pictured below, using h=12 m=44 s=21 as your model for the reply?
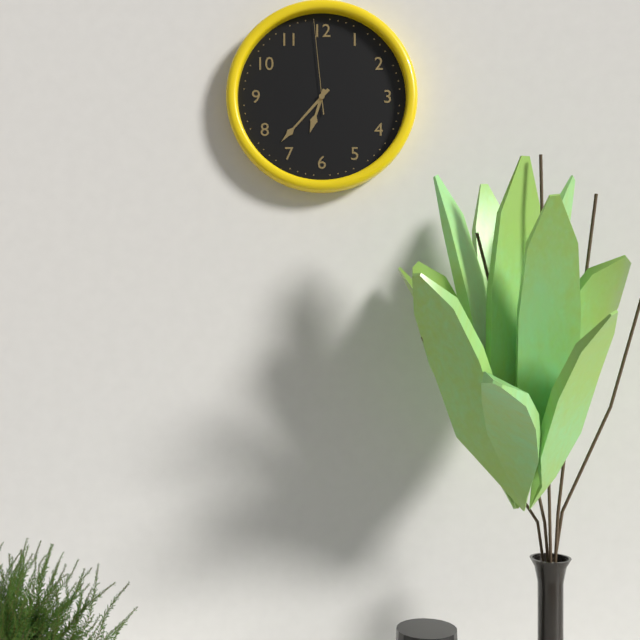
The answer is h=6 m=37 s=59
